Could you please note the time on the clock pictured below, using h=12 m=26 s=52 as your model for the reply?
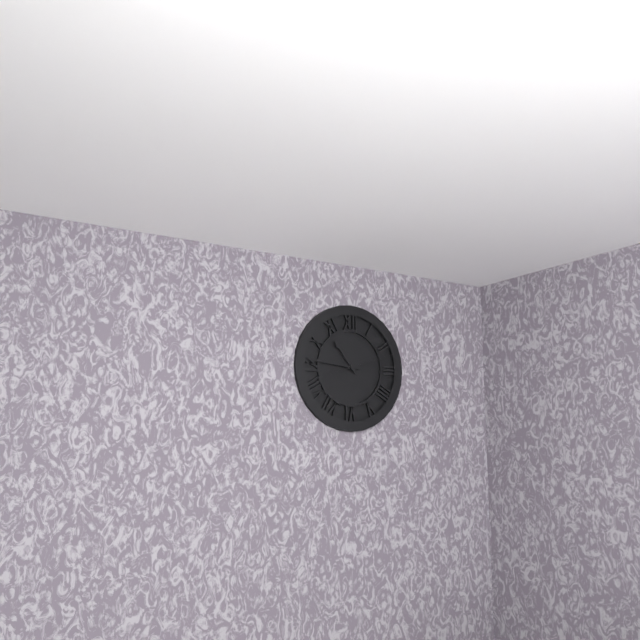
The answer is h=10 m=46 s=12
